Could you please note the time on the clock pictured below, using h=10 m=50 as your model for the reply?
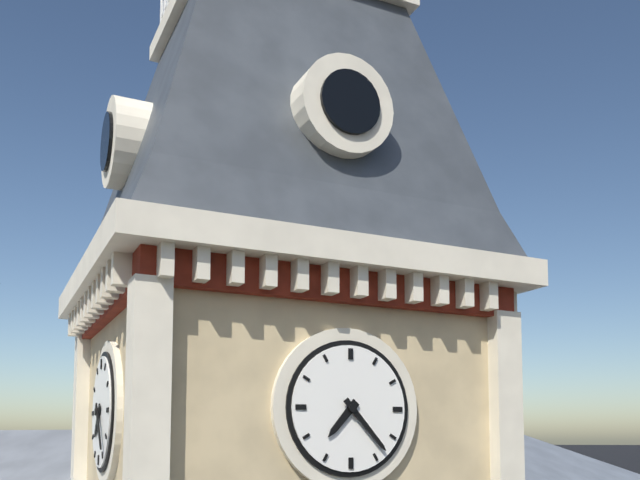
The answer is h=7 m=23
